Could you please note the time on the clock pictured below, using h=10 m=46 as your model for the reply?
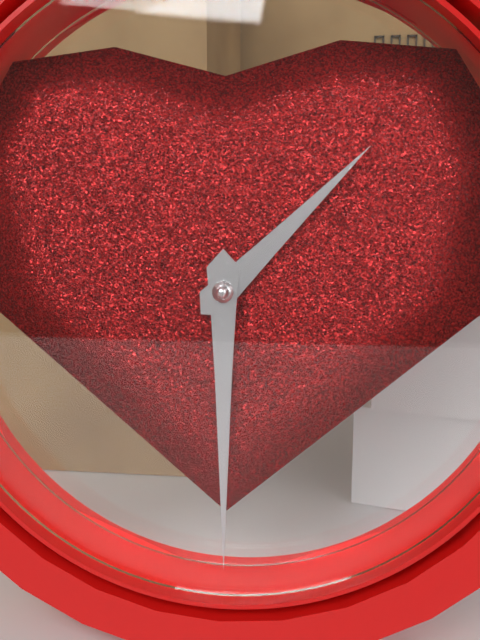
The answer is h=1 m=30
